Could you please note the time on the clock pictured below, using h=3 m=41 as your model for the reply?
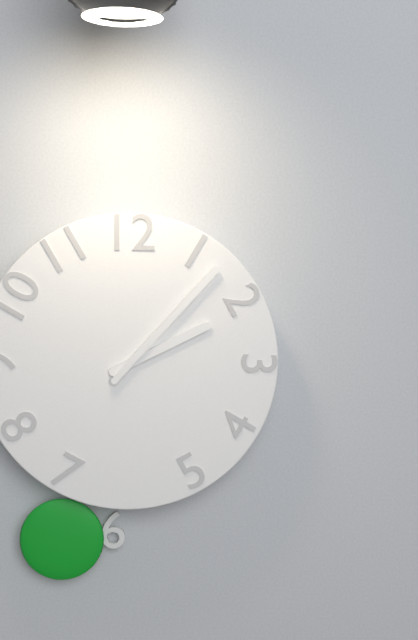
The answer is h=2 m=7
